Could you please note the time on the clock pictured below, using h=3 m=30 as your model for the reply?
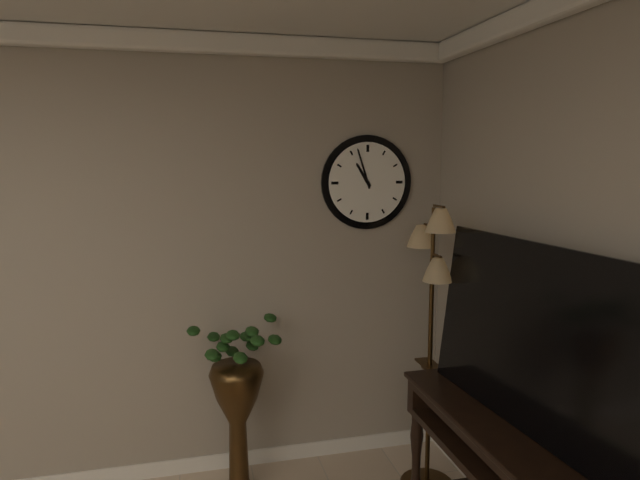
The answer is h=10 m=57
